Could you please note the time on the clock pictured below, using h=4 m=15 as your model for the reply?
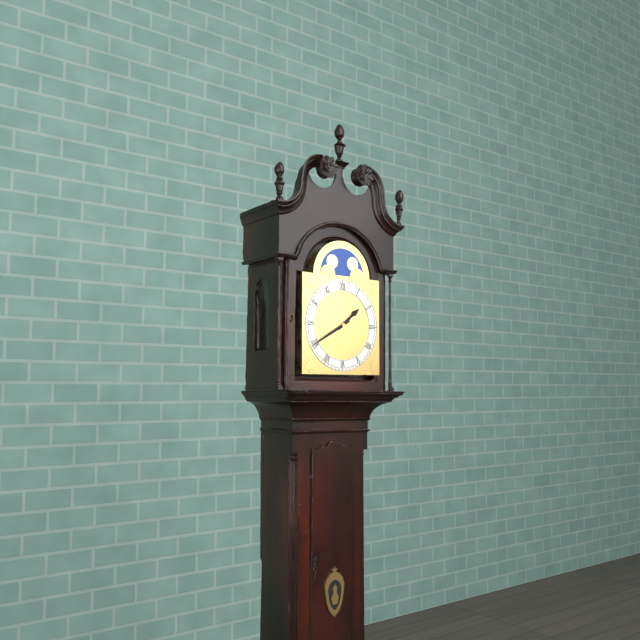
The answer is h=1 m=40
